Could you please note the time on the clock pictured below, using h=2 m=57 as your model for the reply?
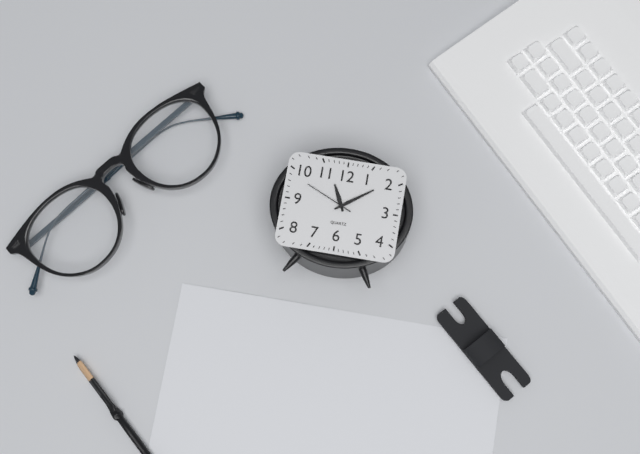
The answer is h=11 m=9
